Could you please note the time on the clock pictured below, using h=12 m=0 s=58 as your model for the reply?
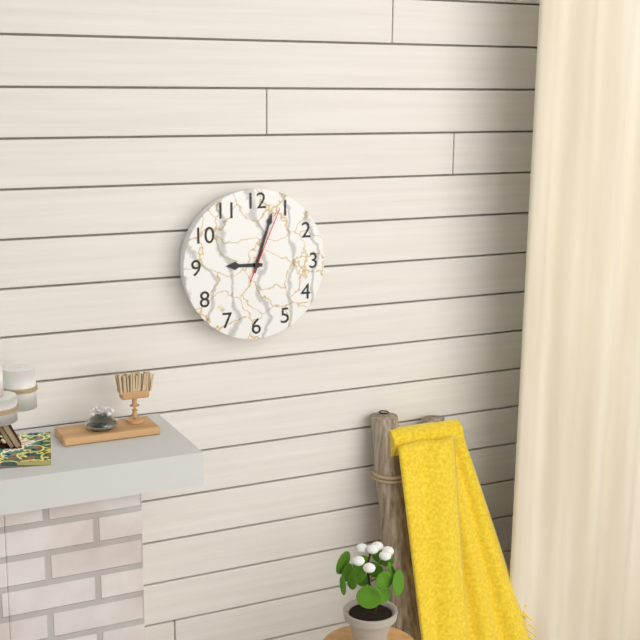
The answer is h=9 m=3 s=4
